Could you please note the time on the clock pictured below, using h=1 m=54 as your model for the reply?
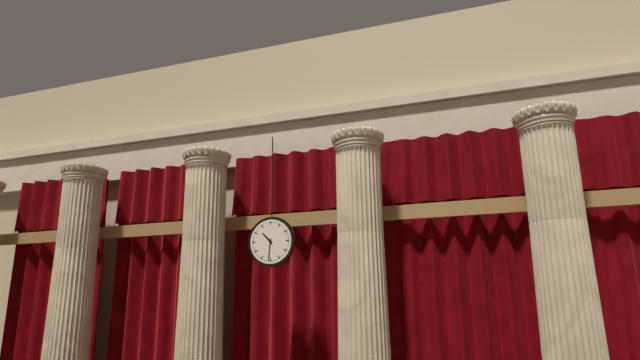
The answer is h=10 m=31
